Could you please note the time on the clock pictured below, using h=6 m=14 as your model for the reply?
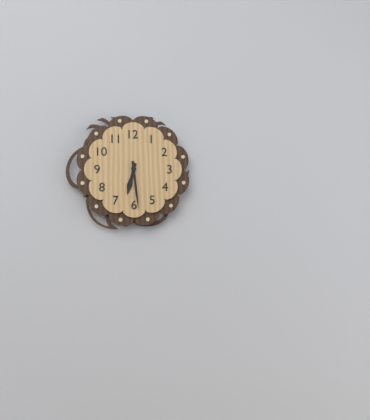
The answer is h=6 m=29
